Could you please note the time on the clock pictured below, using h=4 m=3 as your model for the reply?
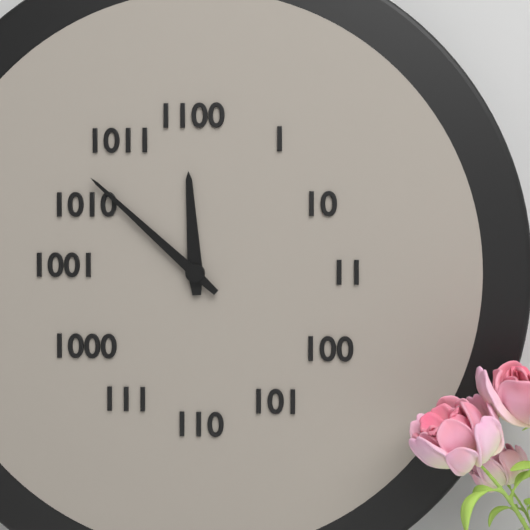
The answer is h=11 m=52
